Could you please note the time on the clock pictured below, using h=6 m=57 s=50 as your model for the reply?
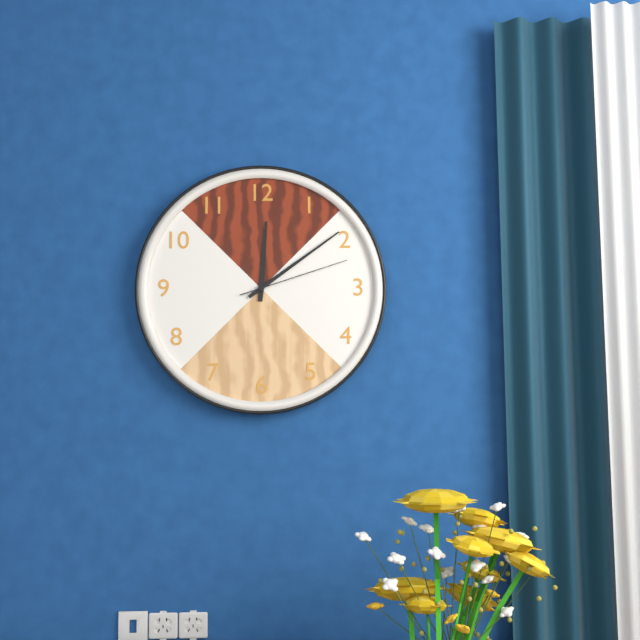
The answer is h=12 m=9 s=12
